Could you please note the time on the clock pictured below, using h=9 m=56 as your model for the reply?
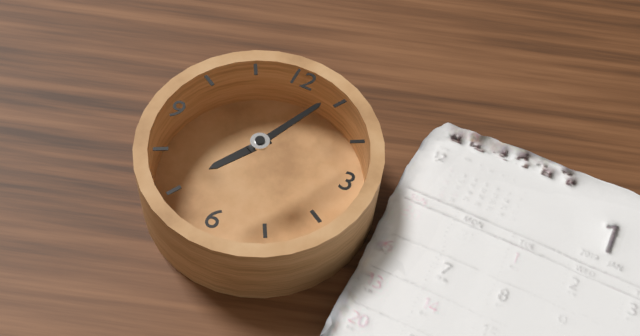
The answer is h=7 m=4
